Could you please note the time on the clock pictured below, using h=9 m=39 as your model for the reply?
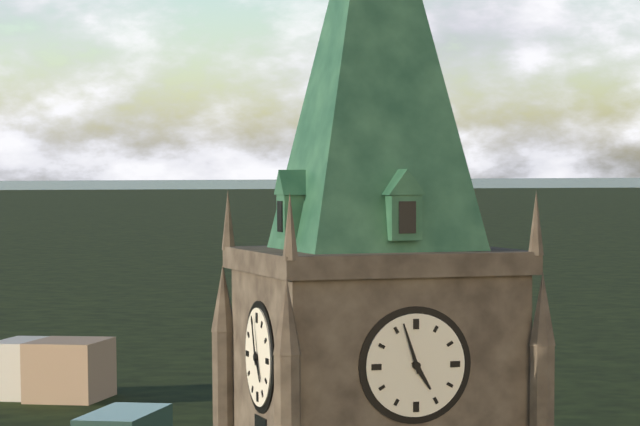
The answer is h=4 m=57
